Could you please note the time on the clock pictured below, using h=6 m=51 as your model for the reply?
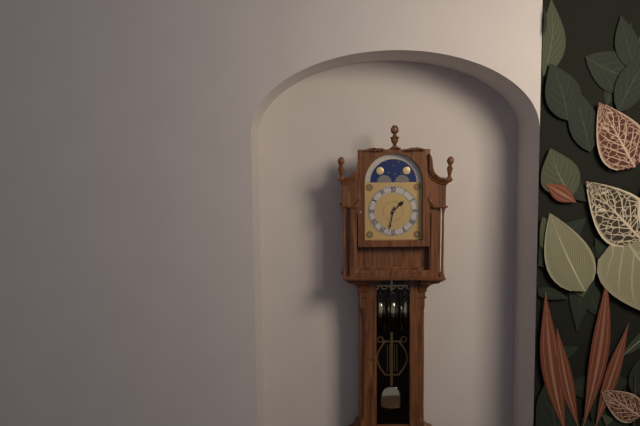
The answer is h=1 m=32
